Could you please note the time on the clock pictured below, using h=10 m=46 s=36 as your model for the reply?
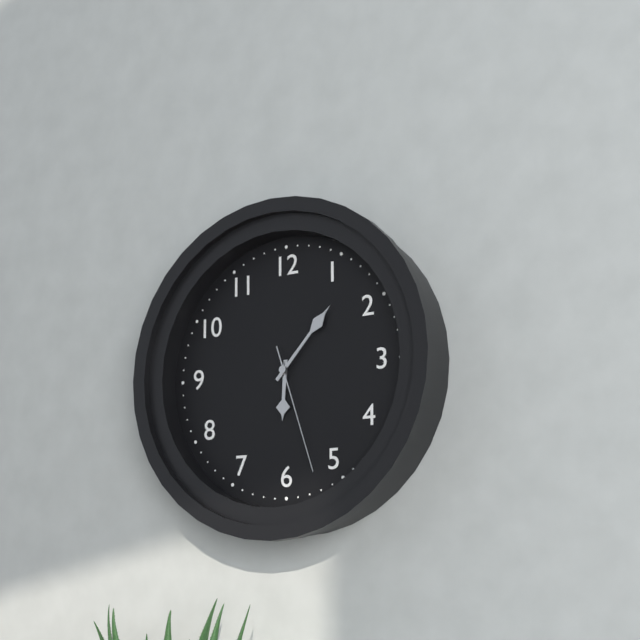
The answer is h=6 m=7 s=27
